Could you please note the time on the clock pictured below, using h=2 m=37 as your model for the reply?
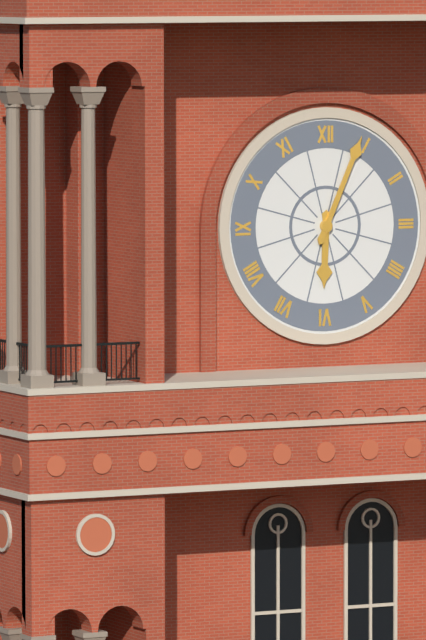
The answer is h=6 m=4
